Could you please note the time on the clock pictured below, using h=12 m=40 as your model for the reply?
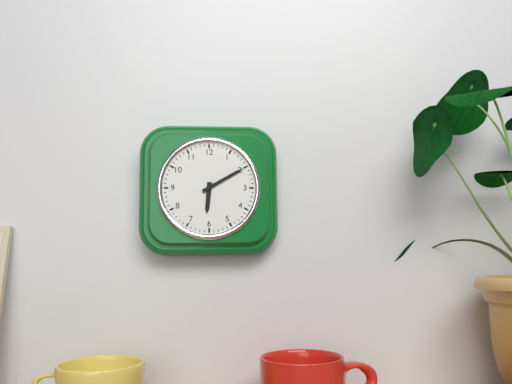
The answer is h=6 m=10
